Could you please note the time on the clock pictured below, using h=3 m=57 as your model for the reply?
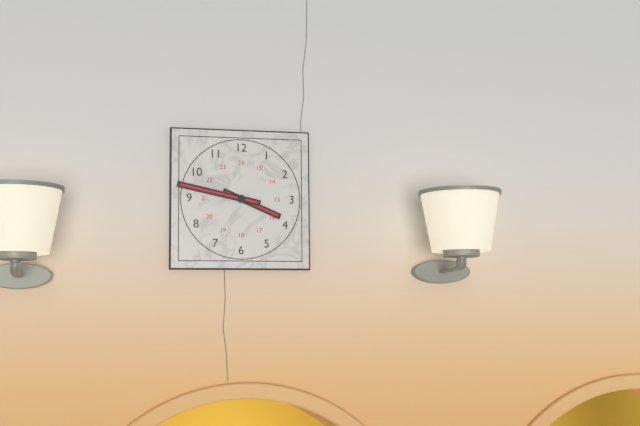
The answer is h=3 m=47
